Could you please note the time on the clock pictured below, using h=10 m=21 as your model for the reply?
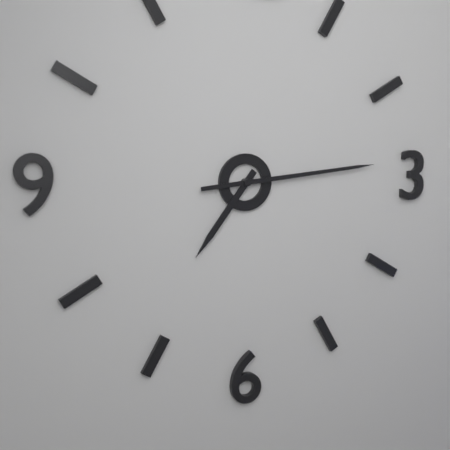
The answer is h=7 m=14
